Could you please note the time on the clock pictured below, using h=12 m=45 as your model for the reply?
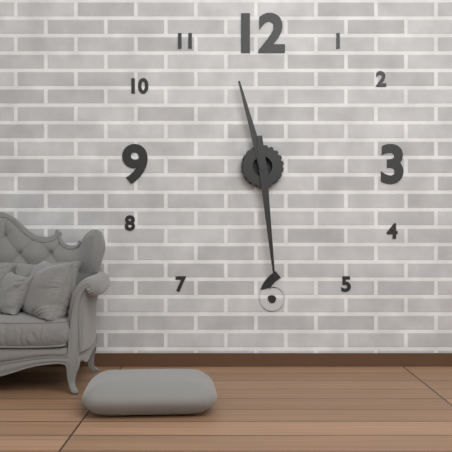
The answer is h=11 m=29
